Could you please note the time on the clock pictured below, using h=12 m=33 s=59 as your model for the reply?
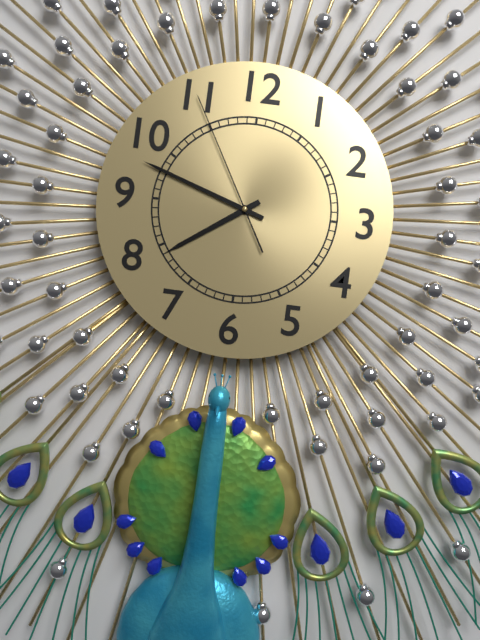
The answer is h=7 m=48 s=55
